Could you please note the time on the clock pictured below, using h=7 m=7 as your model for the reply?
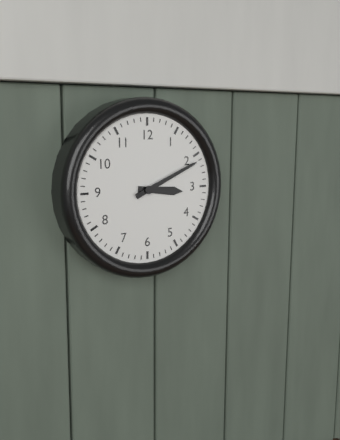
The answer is h=3 m=11
